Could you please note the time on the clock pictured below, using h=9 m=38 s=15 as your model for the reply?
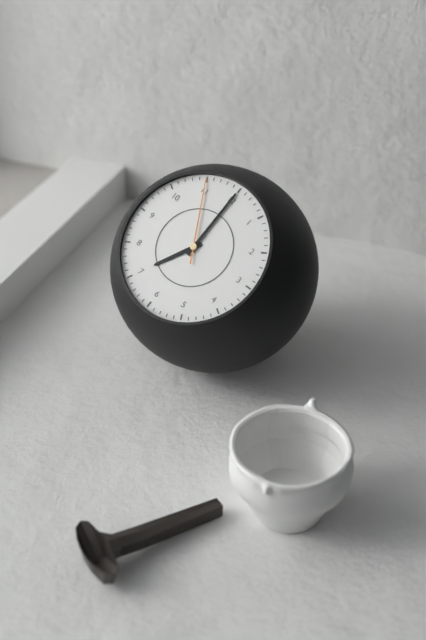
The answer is h=7 m=0 s=55
